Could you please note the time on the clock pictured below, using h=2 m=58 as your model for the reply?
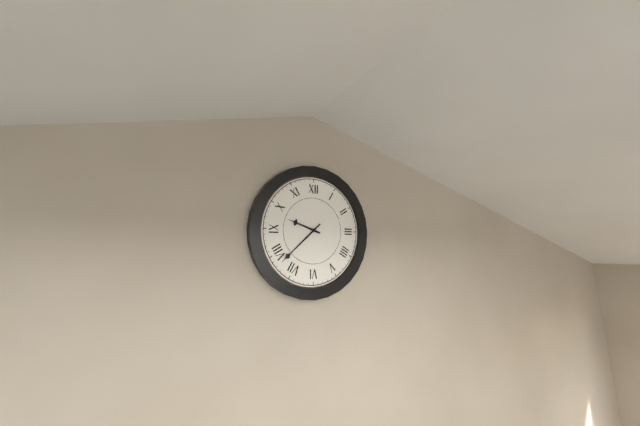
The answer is h=9 m=38
